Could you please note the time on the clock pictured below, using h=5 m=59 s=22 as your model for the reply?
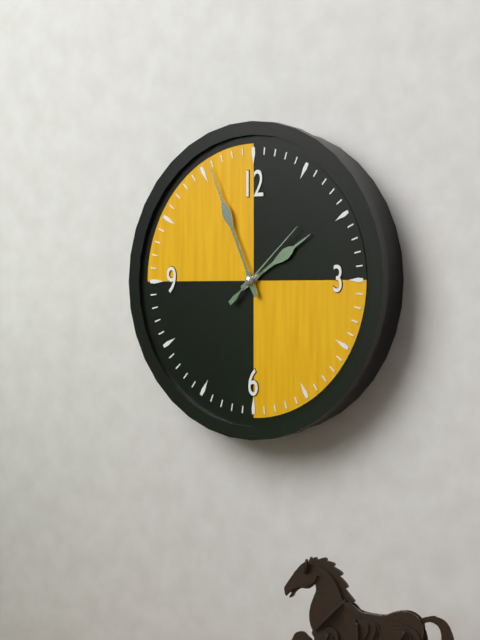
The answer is h=1 m=56 s=8
